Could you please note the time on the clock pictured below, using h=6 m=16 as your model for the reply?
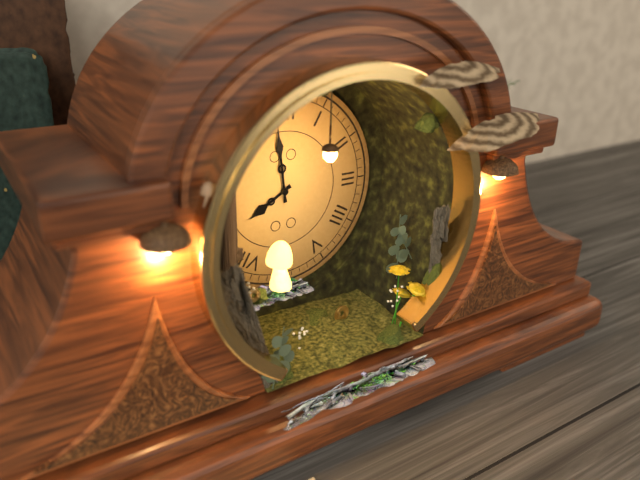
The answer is h=7 m=59
